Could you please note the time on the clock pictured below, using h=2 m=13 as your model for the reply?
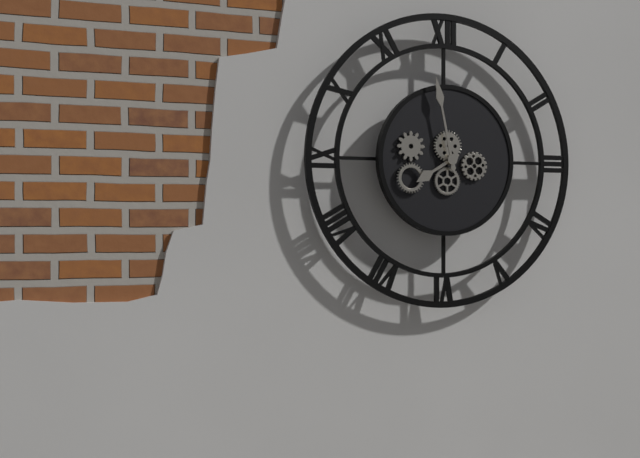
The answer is h=7 m=58
